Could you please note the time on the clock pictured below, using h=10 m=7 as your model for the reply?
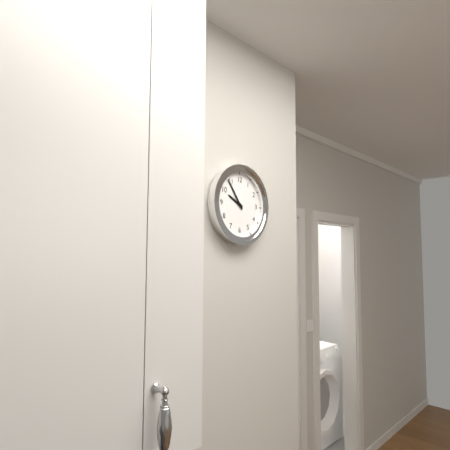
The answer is h=9 m=54
